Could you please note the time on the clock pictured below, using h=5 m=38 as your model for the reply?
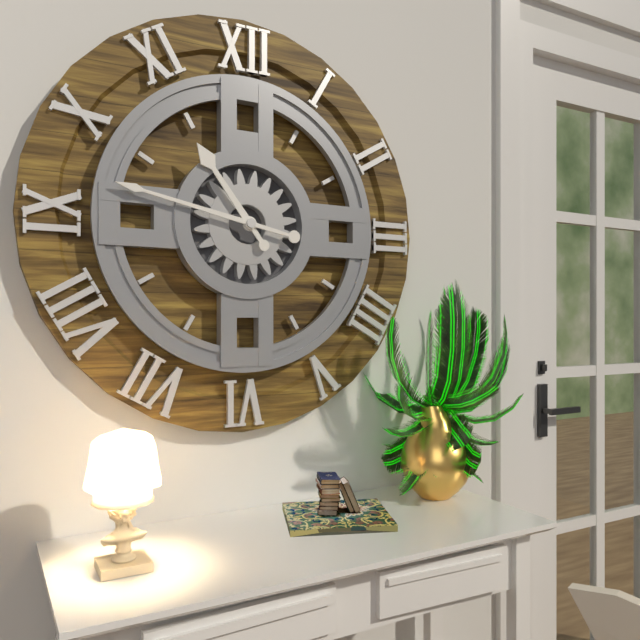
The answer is h=10 m=47
